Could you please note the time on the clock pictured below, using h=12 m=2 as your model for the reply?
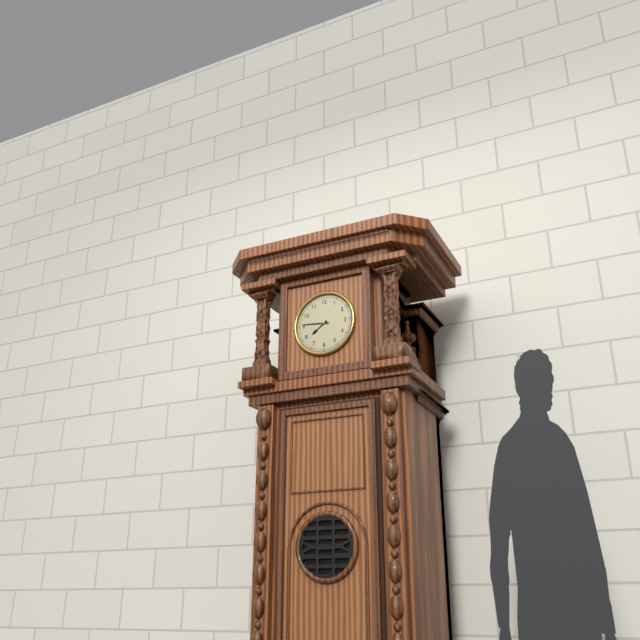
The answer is h=7 m=46
